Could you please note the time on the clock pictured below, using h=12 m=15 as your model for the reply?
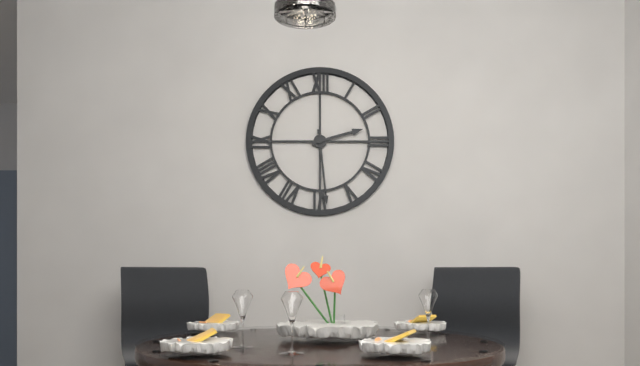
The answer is h=2 m=29
